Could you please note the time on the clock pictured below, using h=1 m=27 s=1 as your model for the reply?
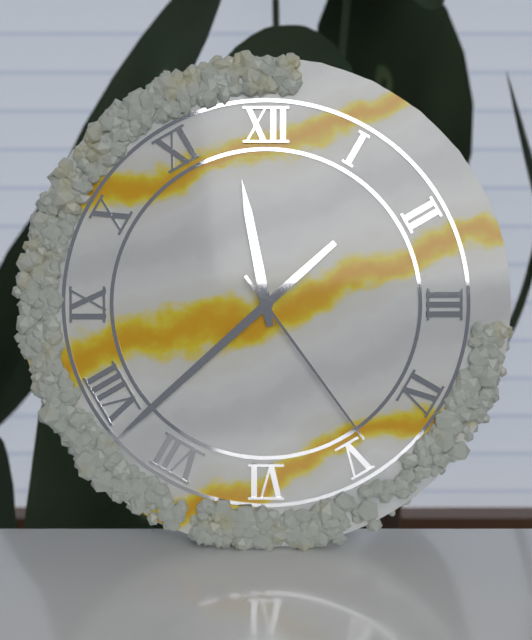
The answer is h=11 m=38 s=24
